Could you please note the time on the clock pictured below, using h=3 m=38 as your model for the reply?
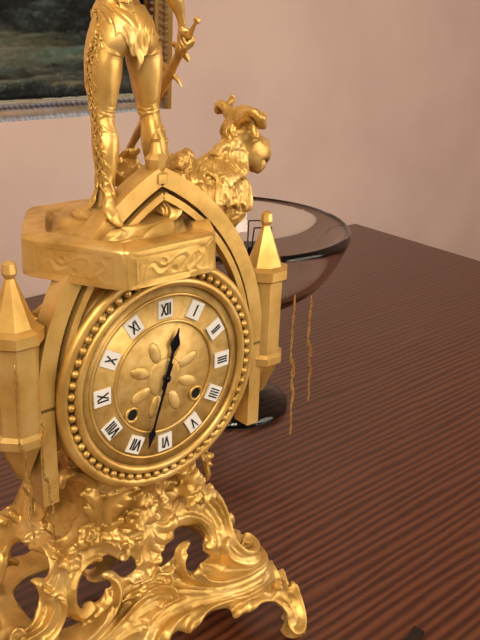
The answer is h=12 m=33
